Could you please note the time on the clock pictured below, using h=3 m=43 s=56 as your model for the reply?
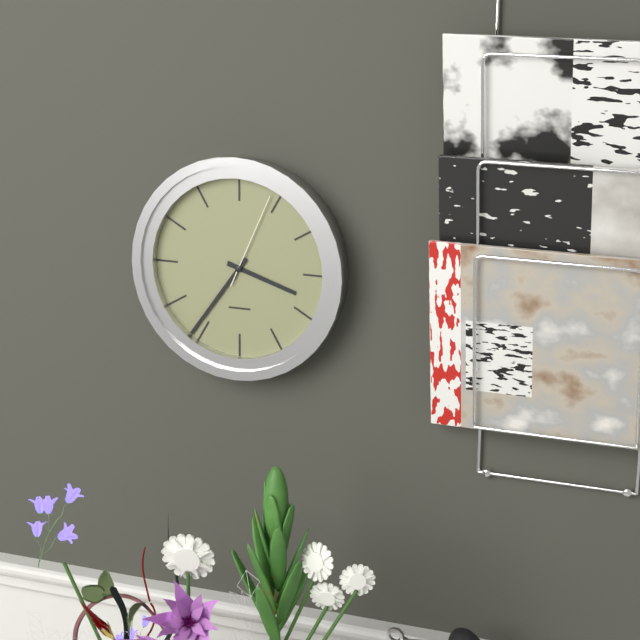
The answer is h=3 m=36 s=4
